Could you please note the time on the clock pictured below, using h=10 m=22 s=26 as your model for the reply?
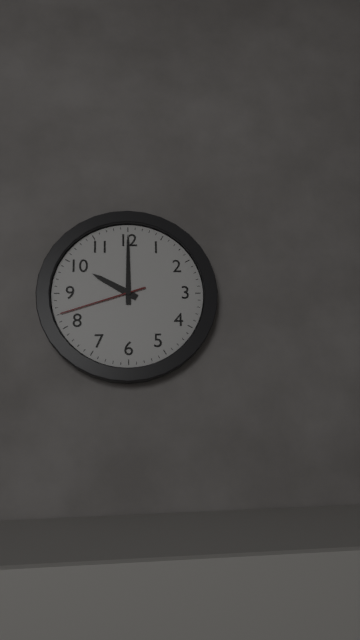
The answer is h=10 m=0 s=42
